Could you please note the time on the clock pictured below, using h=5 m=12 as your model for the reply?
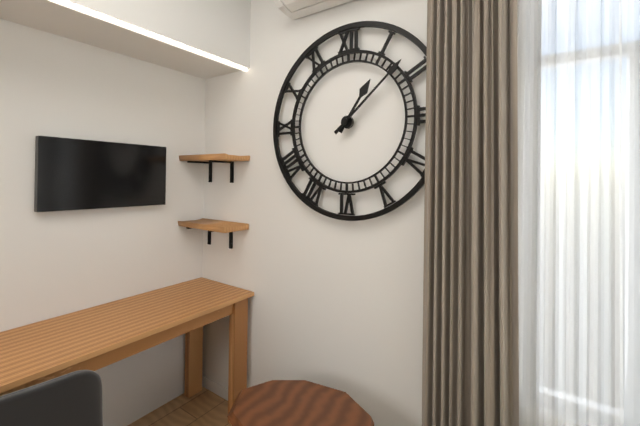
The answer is h=1 m=8
